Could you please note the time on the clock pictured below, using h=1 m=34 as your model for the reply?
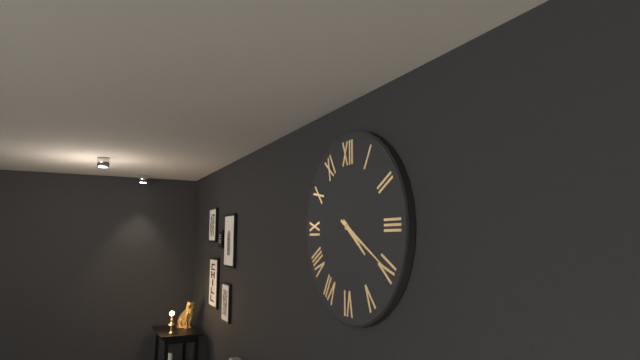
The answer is h=4 m=20
